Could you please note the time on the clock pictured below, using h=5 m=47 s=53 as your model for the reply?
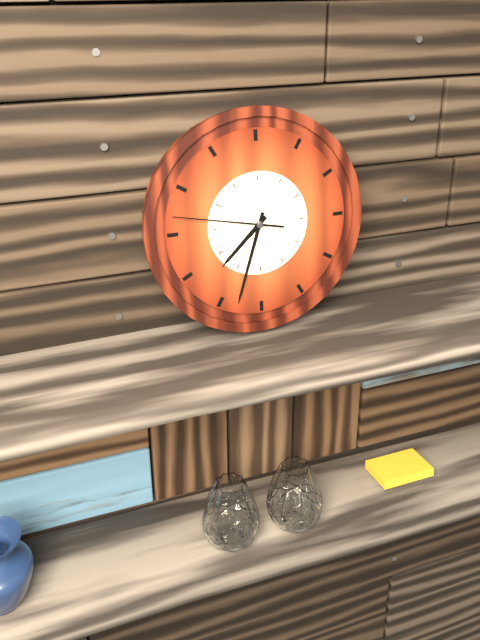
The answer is h=7 m=33 s=47
